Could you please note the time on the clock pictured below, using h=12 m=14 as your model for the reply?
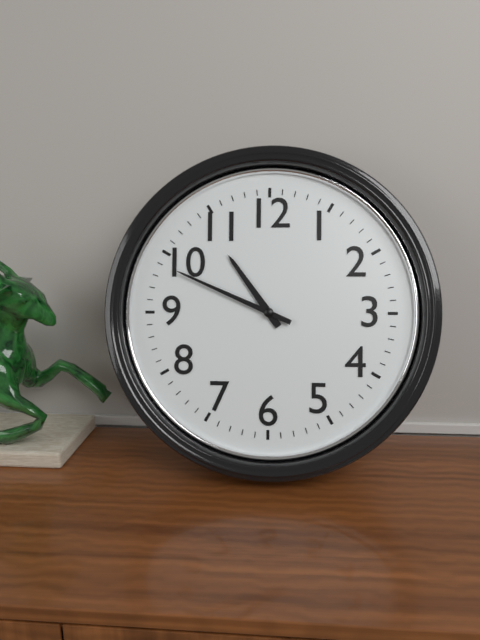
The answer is h=10 m=49
